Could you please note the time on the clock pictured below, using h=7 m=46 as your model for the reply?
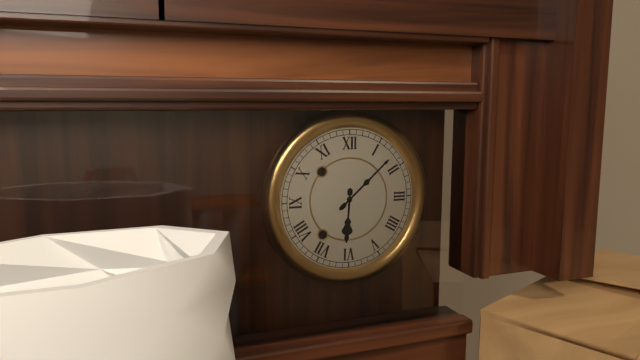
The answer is h=6 m=8
